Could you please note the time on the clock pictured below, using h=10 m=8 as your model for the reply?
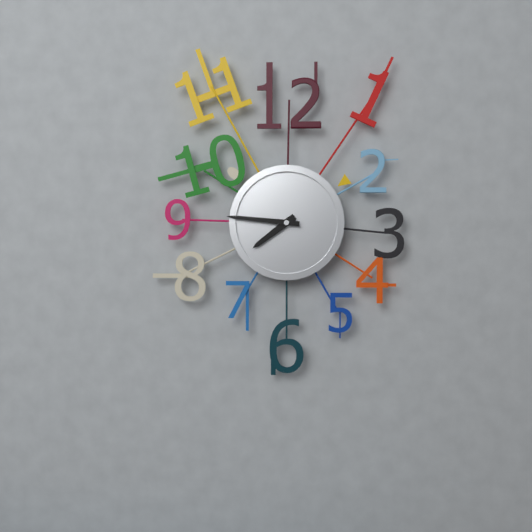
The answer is h=7 m=46
